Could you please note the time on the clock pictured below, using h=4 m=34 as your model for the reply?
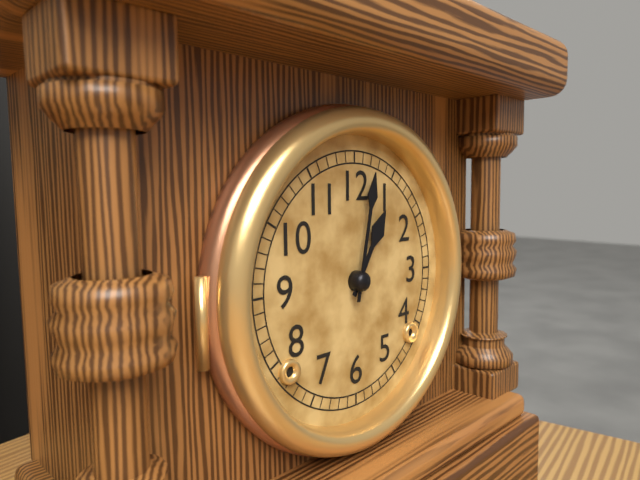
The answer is h=1 m=2
